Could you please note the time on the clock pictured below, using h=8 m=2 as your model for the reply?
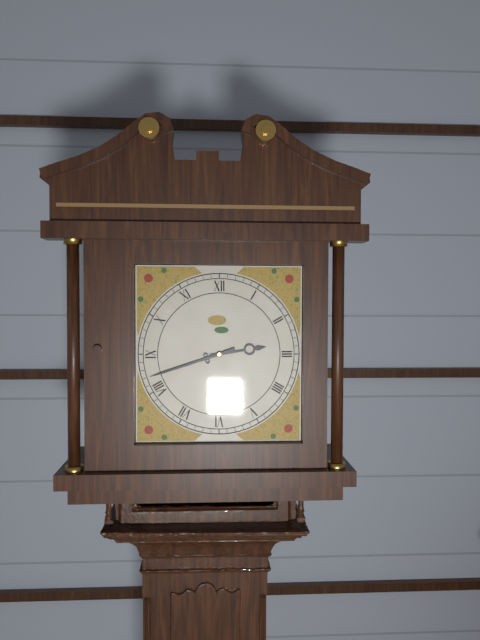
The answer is h=2 m=42
